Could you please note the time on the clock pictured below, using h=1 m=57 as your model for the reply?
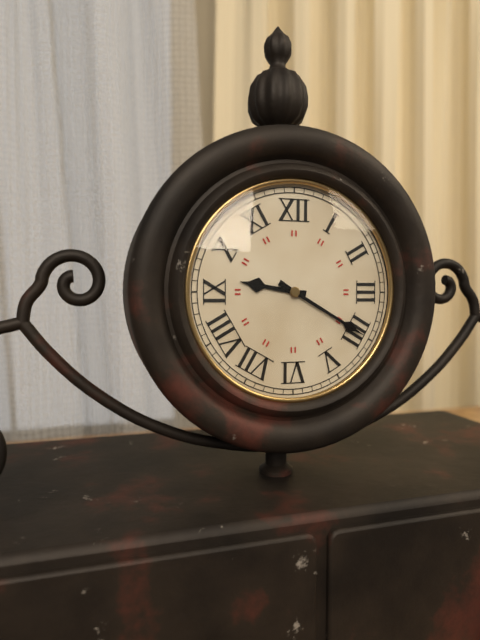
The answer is h=9 m=20
